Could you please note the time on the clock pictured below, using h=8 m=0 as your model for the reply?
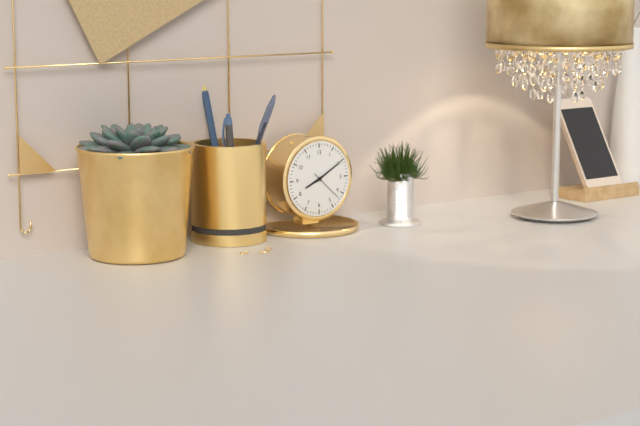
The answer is h=8 m=10
